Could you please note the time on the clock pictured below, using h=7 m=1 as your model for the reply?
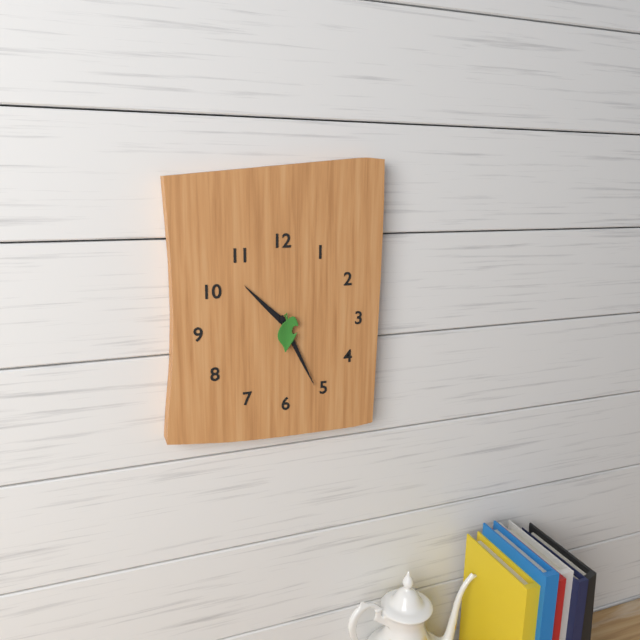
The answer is h=10 m=26
